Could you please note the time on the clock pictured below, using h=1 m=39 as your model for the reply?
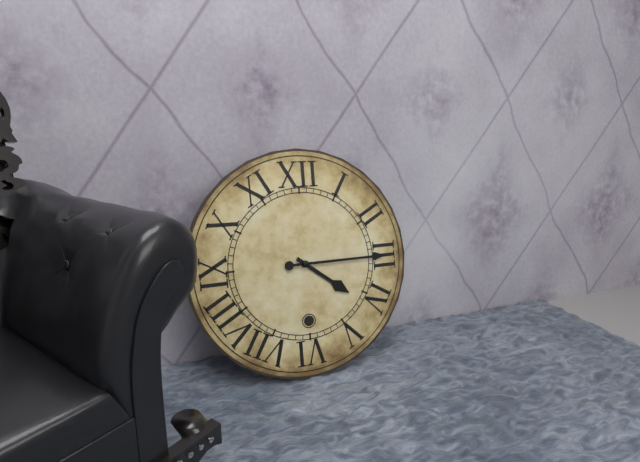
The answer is h=4 m=15
